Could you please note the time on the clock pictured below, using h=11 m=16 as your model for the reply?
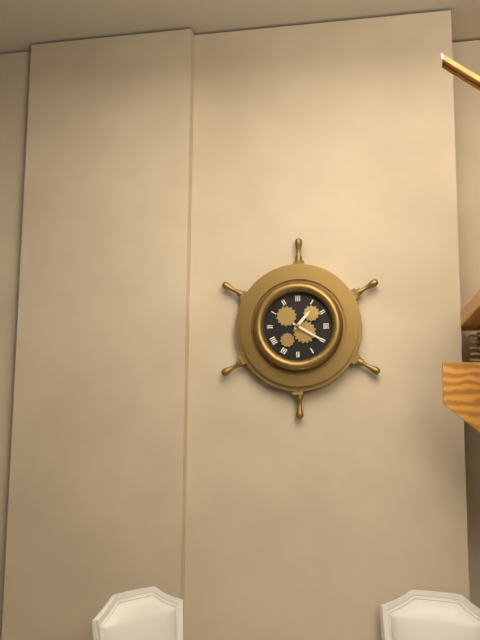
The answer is h=1 m=20
